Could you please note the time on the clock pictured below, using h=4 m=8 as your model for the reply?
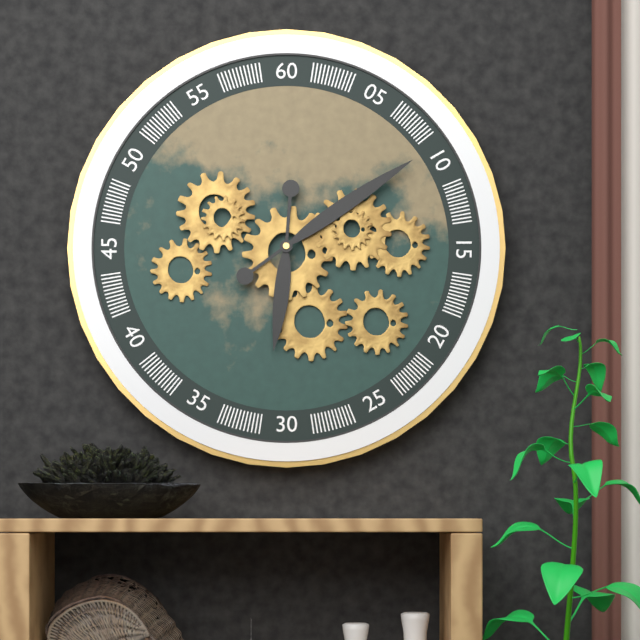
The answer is h=6 m=9
